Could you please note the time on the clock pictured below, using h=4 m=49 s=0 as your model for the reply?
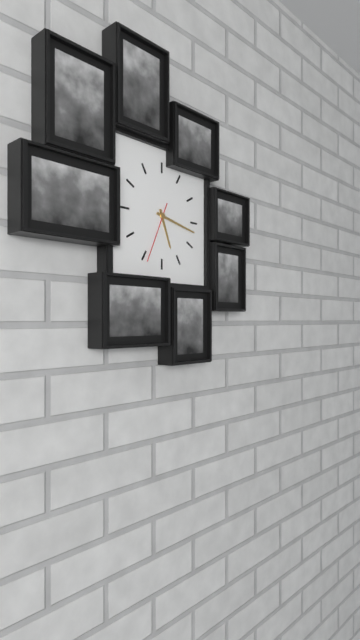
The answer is h=5 m=17 s=34
